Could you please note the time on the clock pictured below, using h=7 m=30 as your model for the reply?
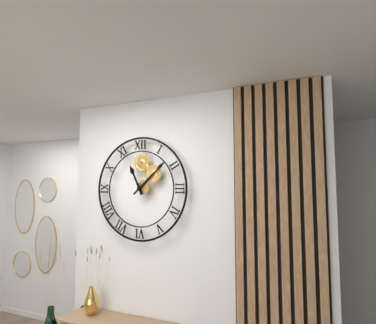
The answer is h=11 m=8
